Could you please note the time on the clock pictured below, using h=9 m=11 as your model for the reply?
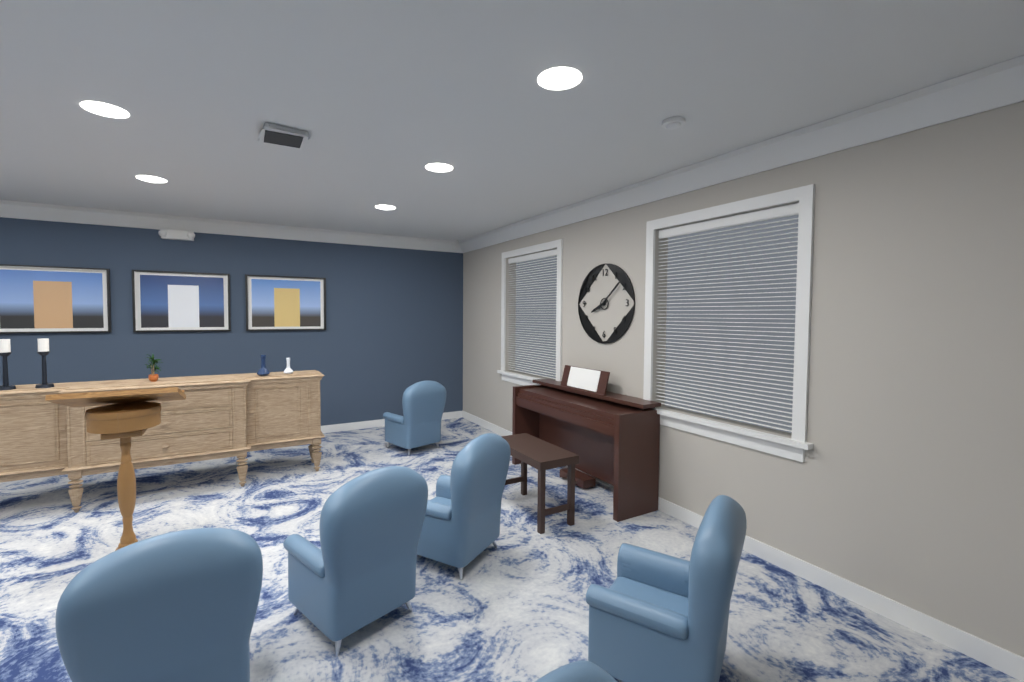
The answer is h=8 m=8
